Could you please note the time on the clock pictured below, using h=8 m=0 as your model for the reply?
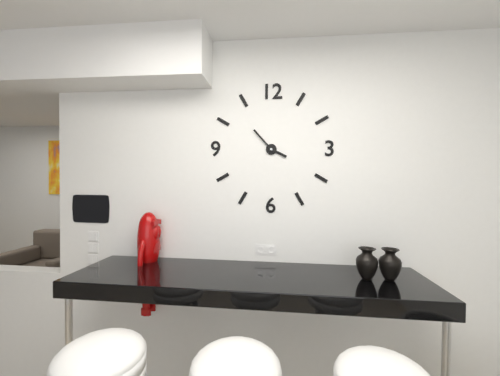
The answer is h=3 m=53
